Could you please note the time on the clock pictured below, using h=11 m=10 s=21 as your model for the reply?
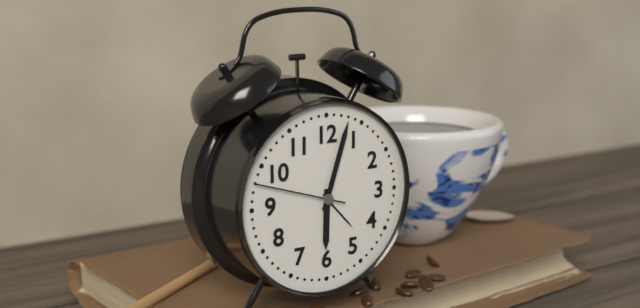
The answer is h=6 m=3 s=48
